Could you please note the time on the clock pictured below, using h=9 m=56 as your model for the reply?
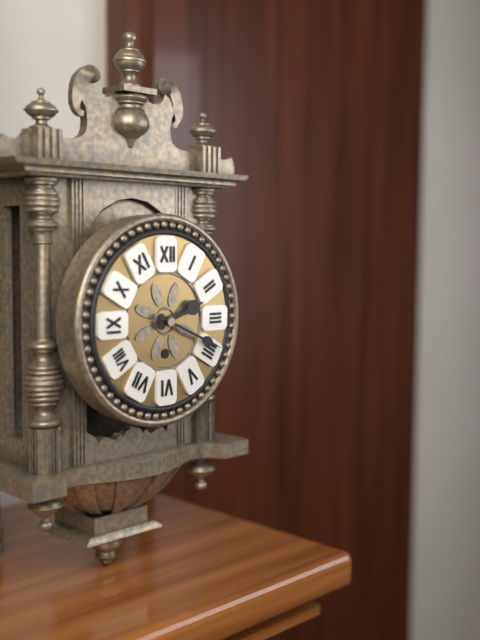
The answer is h=2 m=19
